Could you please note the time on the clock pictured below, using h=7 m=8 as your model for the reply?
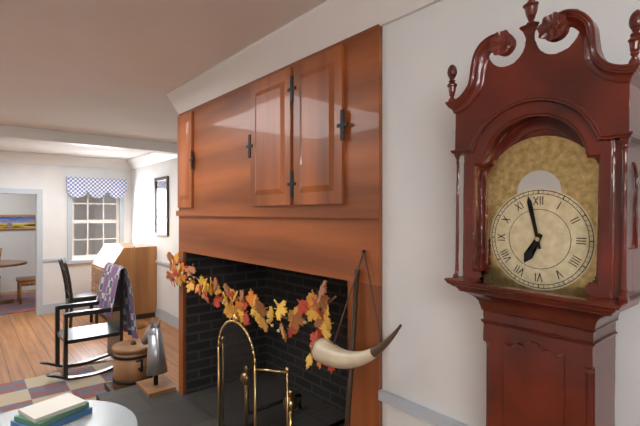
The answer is h=6 m=58
